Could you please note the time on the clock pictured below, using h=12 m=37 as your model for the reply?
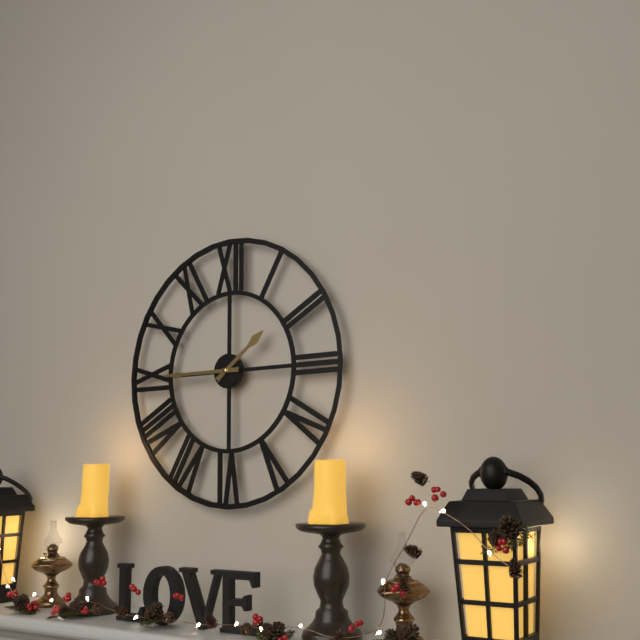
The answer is h=1 m=45
